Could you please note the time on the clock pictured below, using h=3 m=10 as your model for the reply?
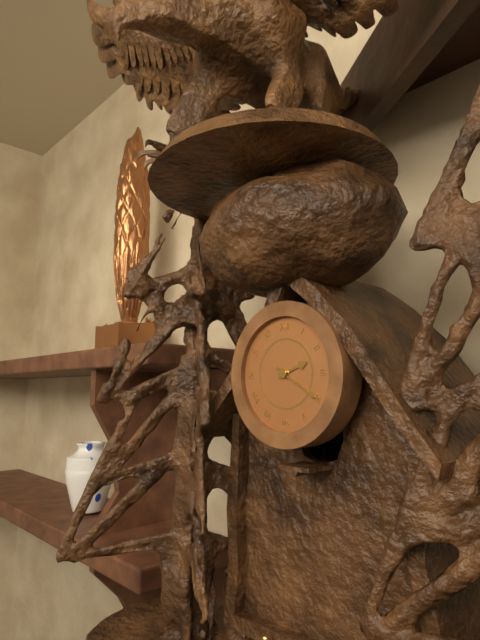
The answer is h=2 m=20
